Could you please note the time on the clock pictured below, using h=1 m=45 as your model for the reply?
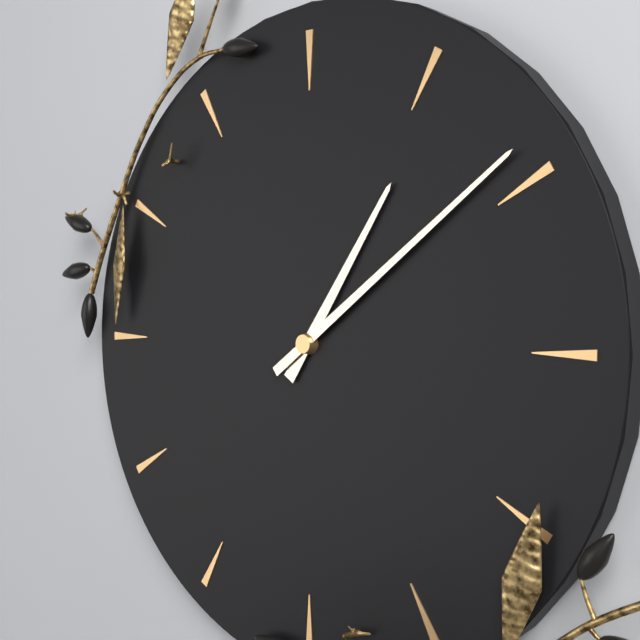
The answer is h=1 m=9
